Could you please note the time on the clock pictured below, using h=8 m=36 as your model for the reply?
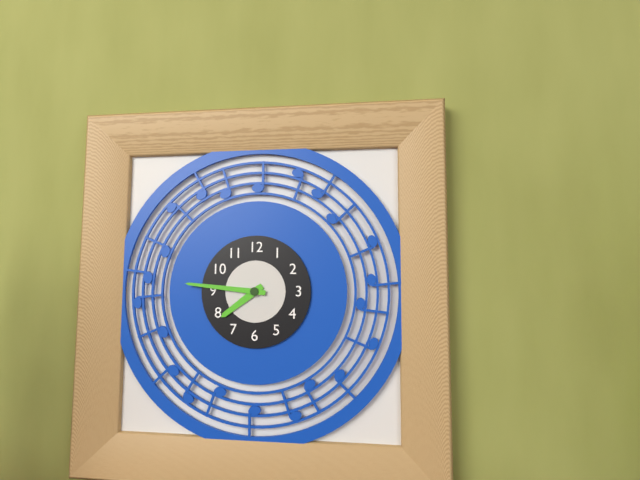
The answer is h=7 m=46
